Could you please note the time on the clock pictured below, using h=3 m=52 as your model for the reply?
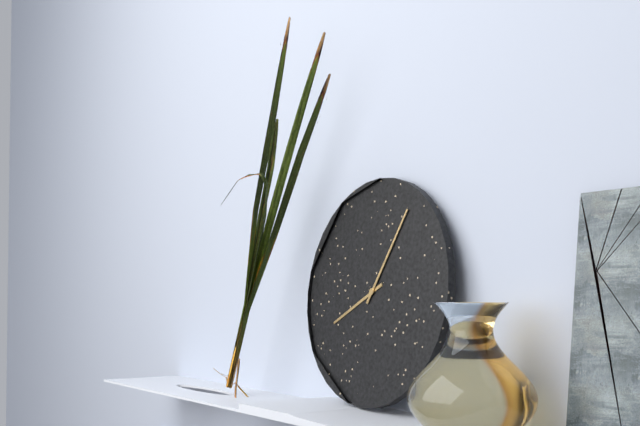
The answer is h=8 m=5
